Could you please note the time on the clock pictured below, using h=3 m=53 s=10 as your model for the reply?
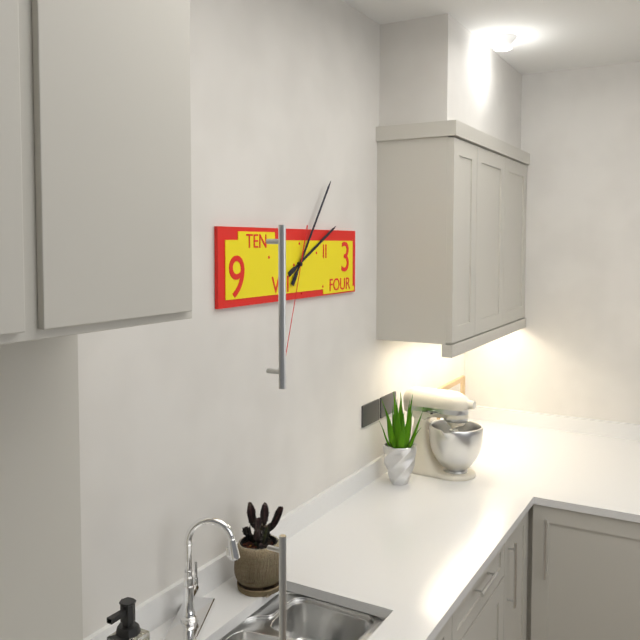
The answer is h=2 m=6 s=33
